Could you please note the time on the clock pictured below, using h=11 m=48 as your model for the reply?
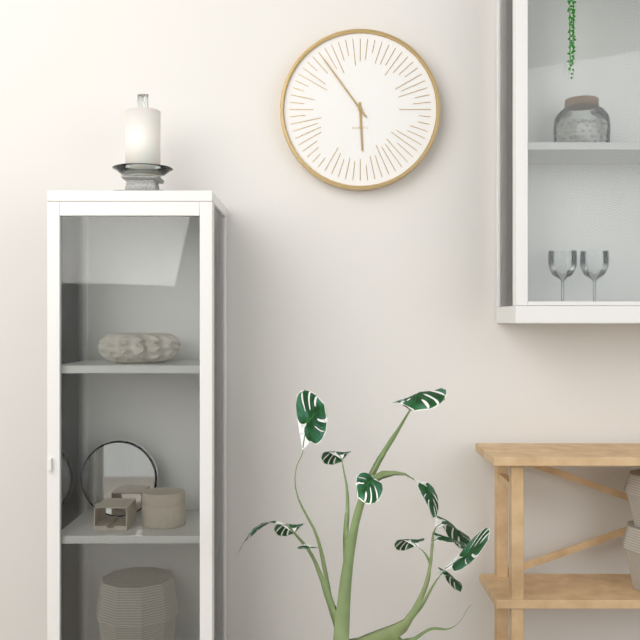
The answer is h=5 m=54
